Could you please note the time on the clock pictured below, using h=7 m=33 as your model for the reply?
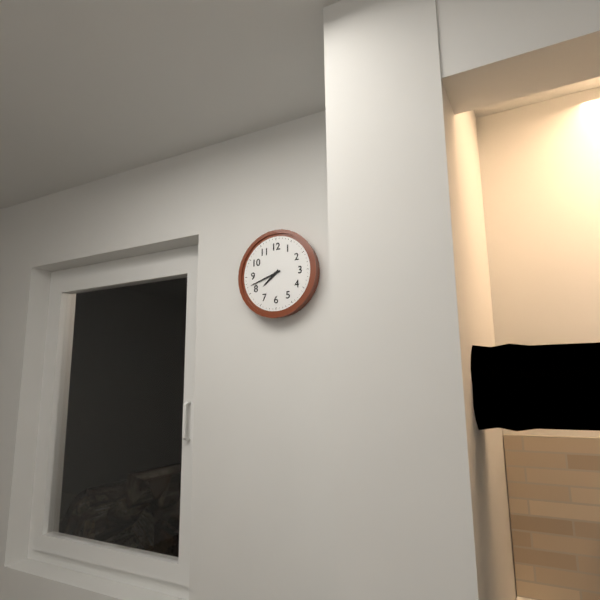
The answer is h=7 m=42
